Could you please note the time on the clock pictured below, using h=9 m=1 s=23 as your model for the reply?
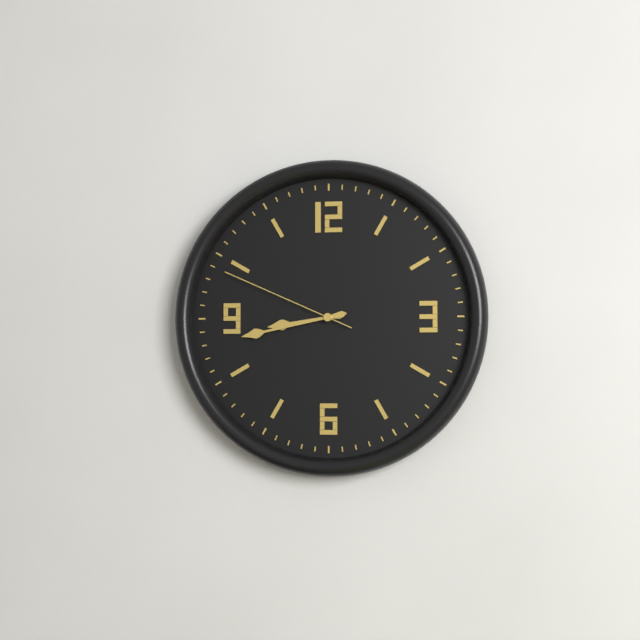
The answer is h=8 m=43 s=49
